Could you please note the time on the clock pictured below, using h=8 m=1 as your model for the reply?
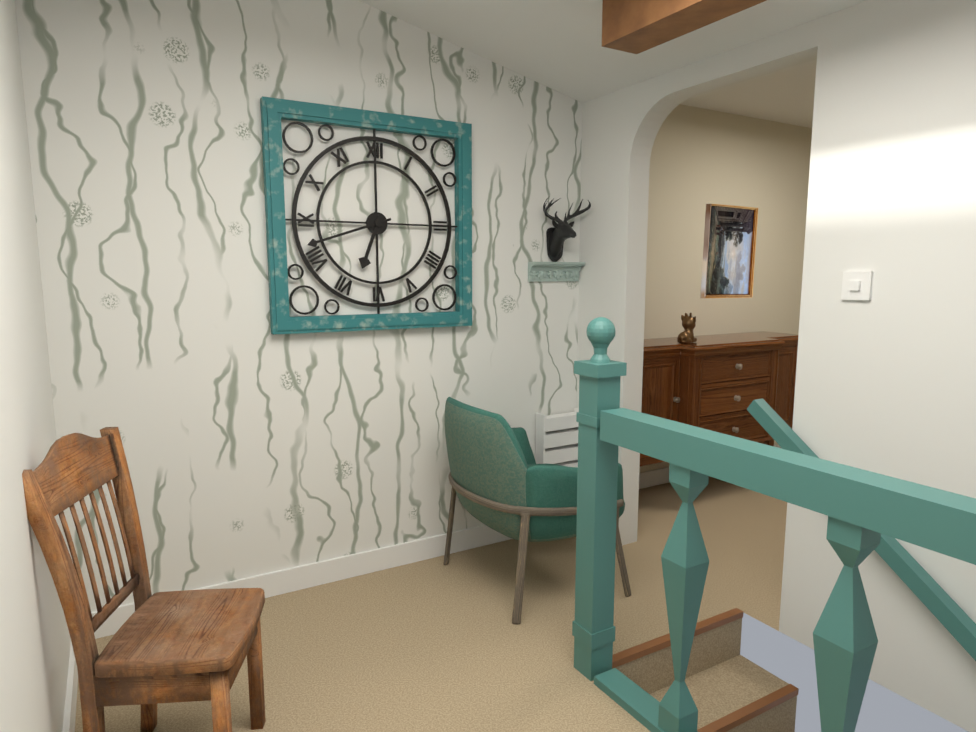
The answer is h=6 m=42
